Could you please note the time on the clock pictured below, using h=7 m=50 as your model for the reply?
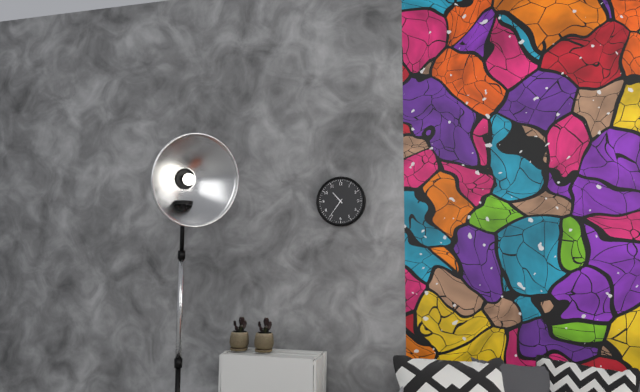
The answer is h=10 m=36
